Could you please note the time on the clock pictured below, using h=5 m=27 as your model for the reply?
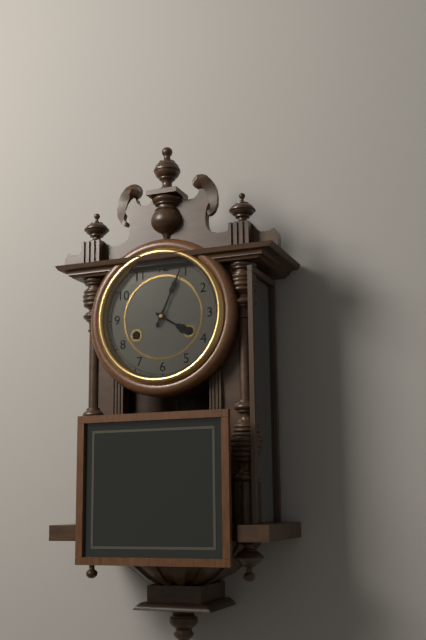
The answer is h=4 m=4
